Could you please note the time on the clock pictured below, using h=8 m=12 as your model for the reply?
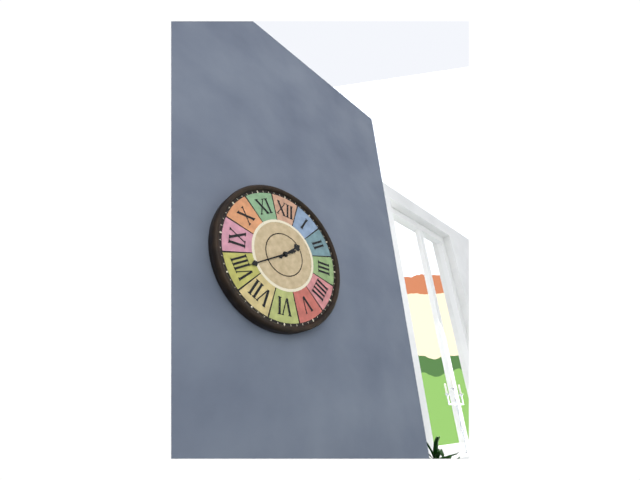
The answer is h=1 m=40
